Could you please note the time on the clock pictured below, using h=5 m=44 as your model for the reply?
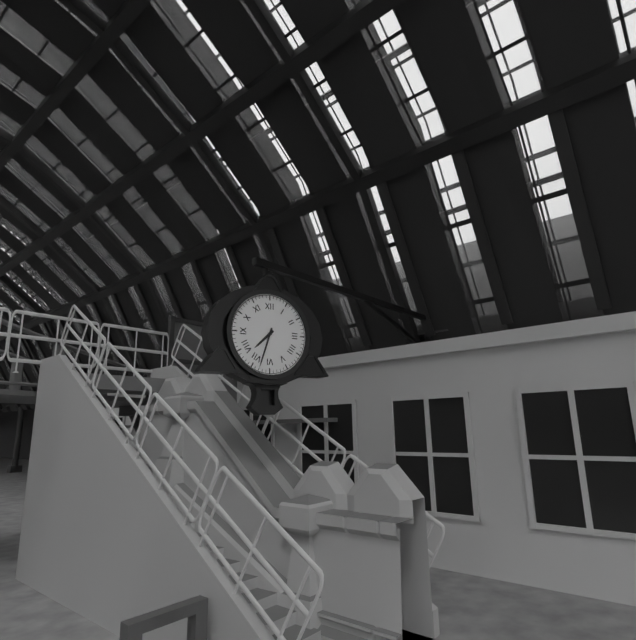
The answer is h=7 m=33
